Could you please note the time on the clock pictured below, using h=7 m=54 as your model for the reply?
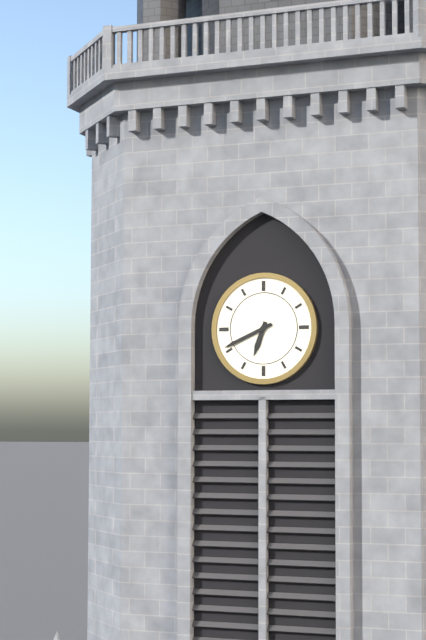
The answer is h=6 m=41
